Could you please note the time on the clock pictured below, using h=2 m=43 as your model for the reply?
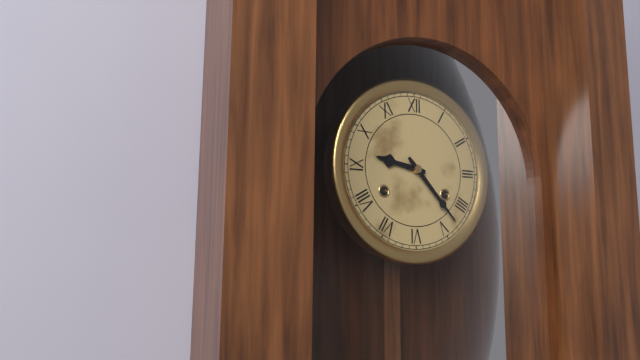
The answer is h=9 m=23
